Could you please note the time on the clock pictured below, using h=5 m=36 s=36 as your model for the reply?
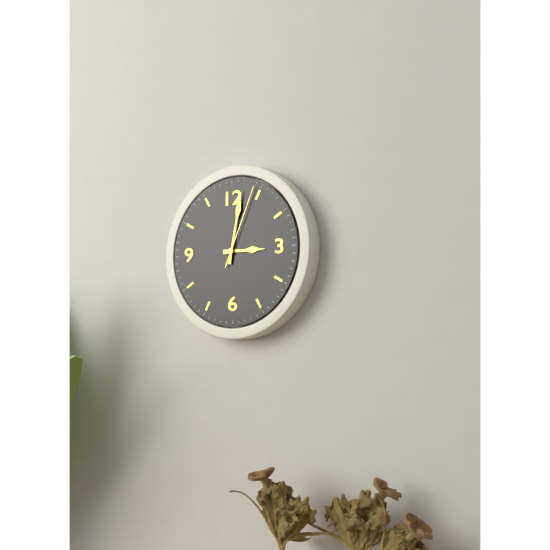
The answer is h=3 m=2 s=4
